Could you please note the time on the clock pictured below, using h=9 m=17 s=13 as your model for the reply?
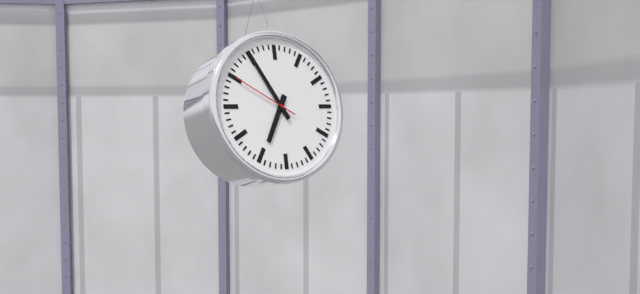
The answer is h=6 m=55 s=50
